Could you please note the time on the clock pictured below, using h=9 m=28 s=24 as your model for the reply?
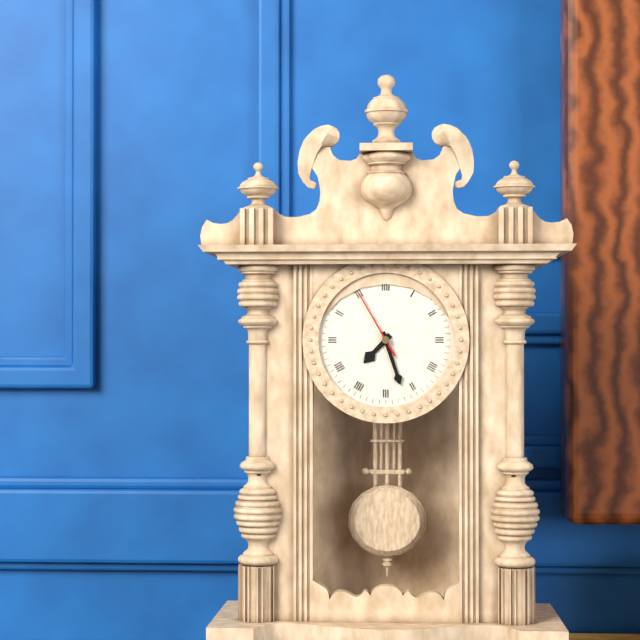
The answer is h=7 m=27 s=55
